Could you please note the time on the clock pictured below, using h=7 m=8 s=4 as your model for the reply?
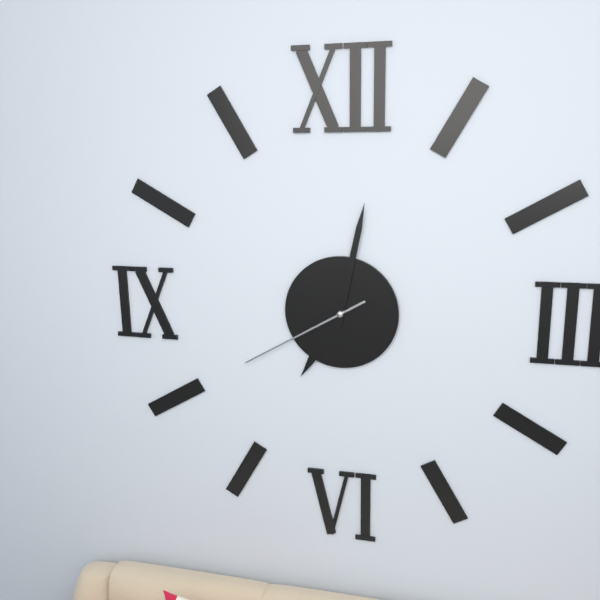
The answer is h=7 m=2 s=40
